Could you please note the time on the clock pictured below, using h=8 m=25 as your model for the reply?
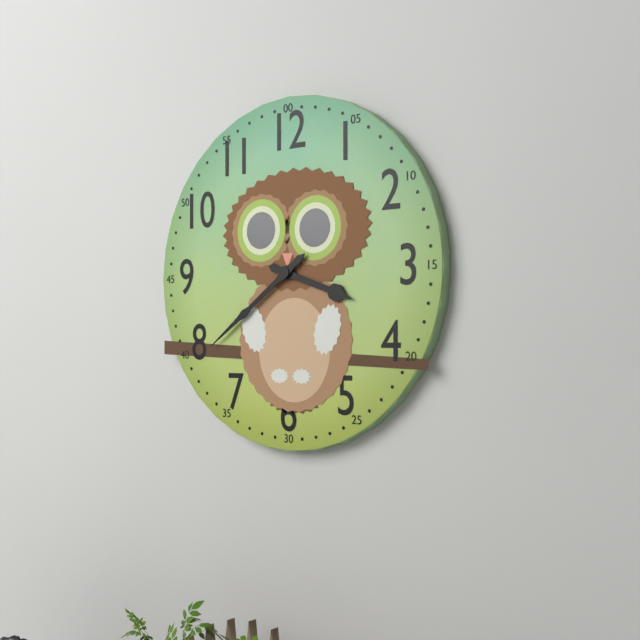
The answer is h=3 m=39
